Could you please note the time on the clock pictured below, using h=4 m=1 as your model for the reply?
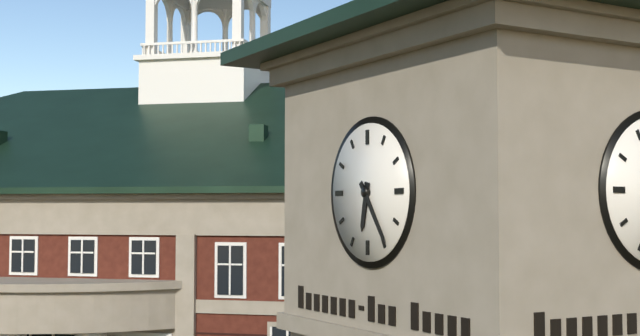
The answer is h=6 m=24
